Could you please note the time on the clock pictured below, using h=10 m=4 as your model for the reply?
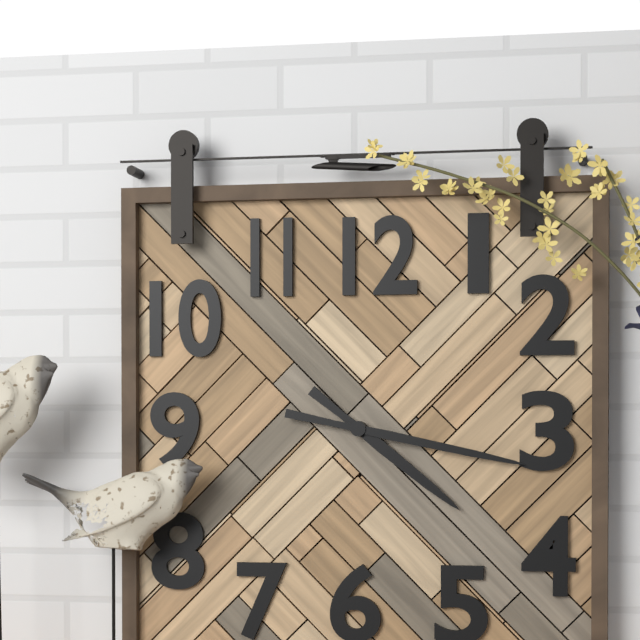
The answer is h=4 m=17
